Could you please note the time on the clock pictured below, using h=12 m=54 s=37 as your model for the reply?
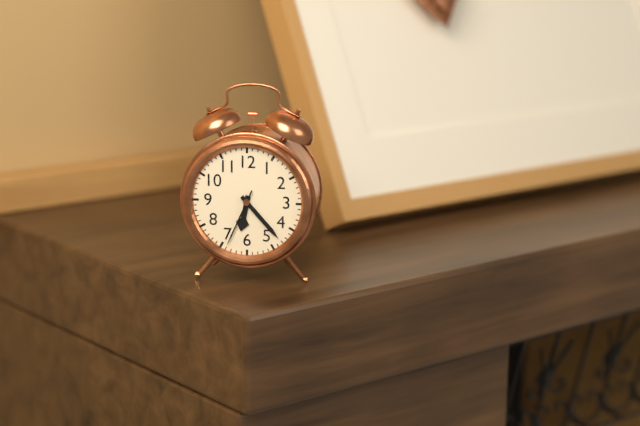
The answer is h=6 m=23 s=34
